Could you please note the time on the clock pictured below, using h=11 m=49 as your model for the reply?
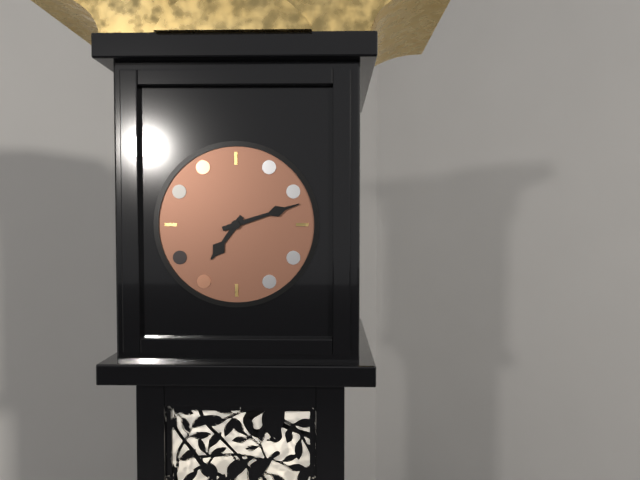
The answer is h=7 m=12
